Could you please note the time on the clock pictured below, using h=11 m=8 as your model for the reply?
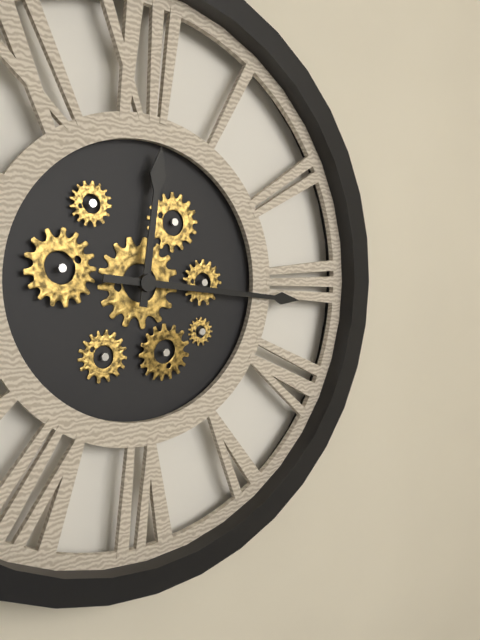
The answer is h=12 m=16
